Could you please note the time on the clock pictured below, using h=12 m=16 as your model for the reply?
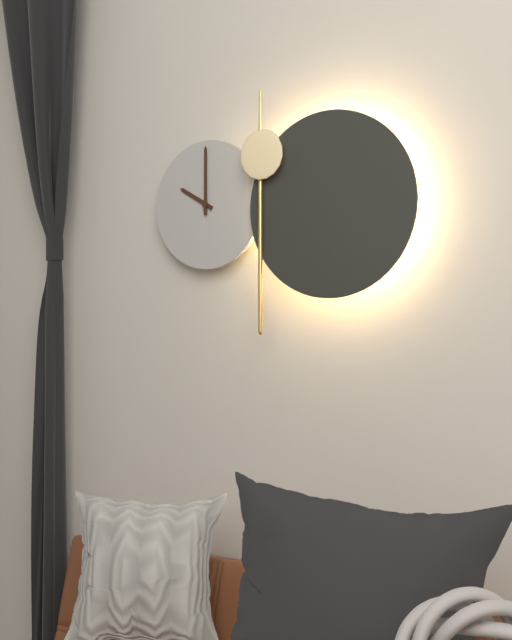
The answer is h=10 m=0
